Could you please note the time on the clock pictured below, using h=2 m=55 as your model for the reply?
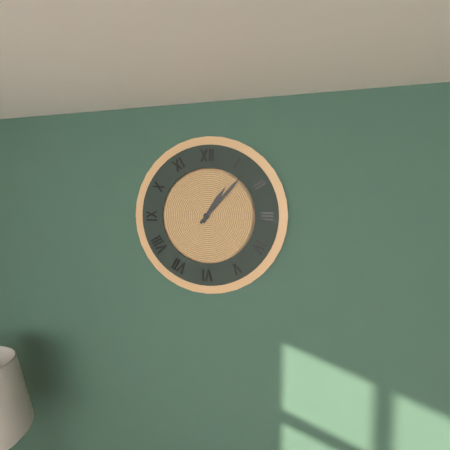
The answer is h=1 m=7
